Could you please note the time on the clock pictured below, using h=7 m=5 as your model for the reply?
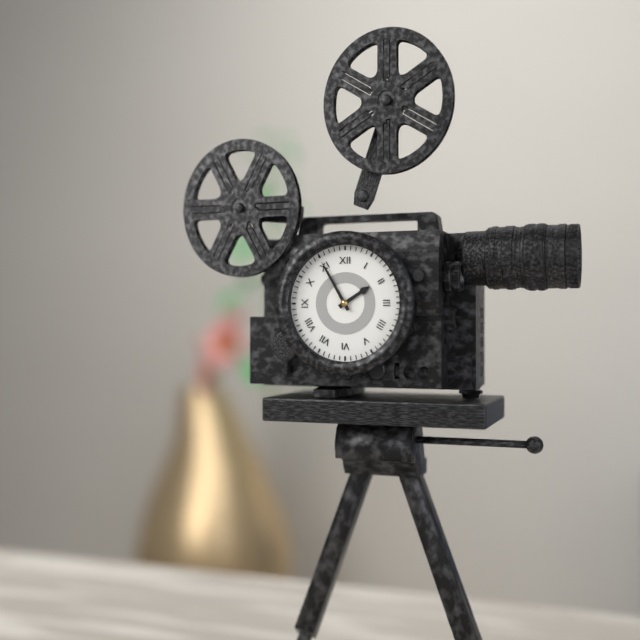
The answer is h=1 m=55
